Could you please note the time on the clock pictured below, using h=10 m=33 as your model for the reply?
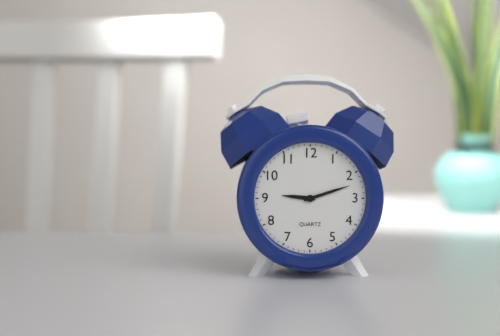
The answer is h=9 m=12
